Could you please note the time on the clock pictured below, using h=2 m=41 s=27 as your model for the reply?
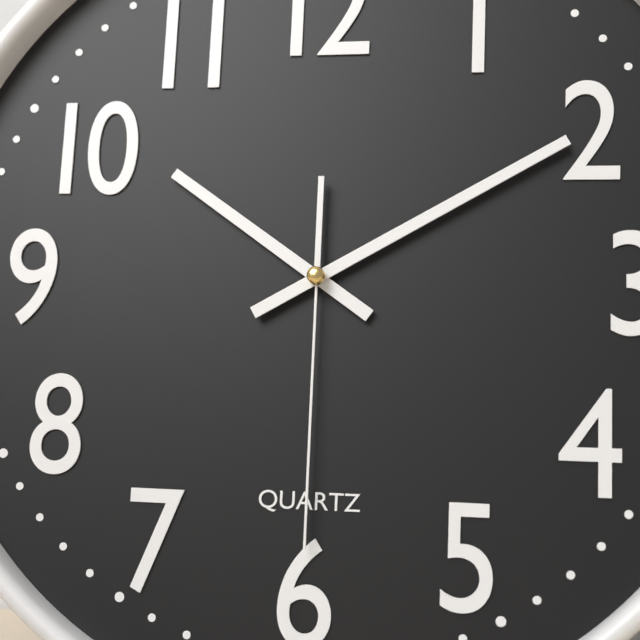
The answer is h=10 m=10 s=30
